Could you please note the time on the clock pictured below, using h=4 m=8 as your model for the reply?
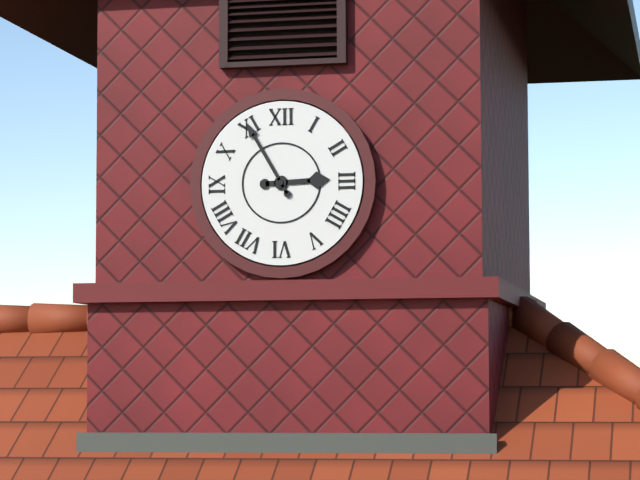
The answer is h=2 m=55
